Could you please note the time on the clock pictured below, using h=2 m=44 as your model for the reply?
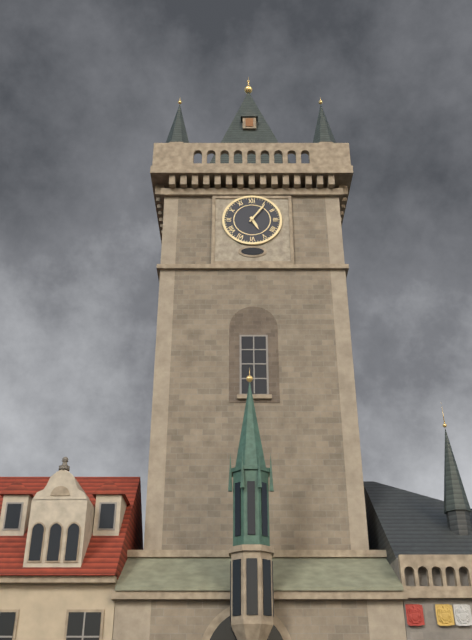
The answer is h=5 m=6
